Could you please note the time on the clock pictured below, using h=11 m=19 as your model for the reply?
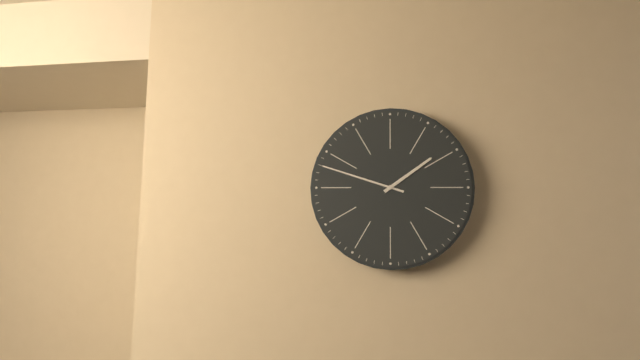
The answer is h=1 m=48
